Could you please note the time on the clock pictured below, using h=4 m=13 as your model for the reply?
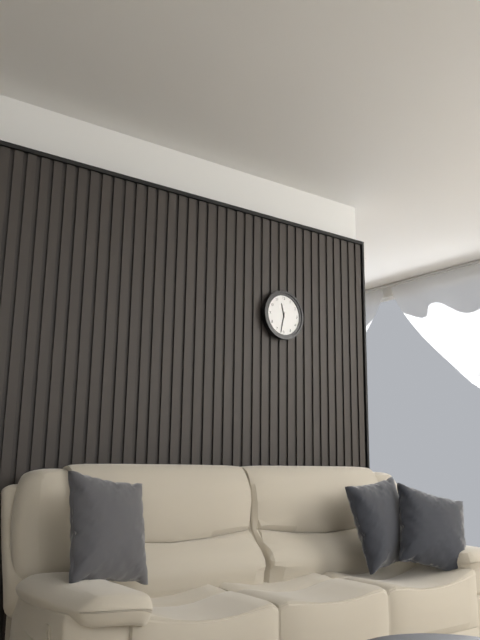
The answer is h=11 m=32
